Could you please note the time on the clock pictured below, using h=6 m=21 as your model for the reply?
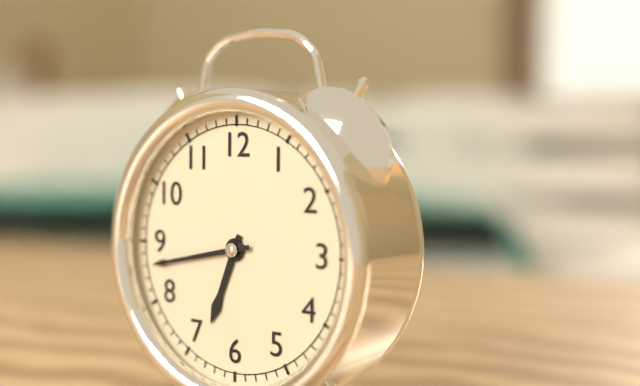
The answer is h=6 m=43
